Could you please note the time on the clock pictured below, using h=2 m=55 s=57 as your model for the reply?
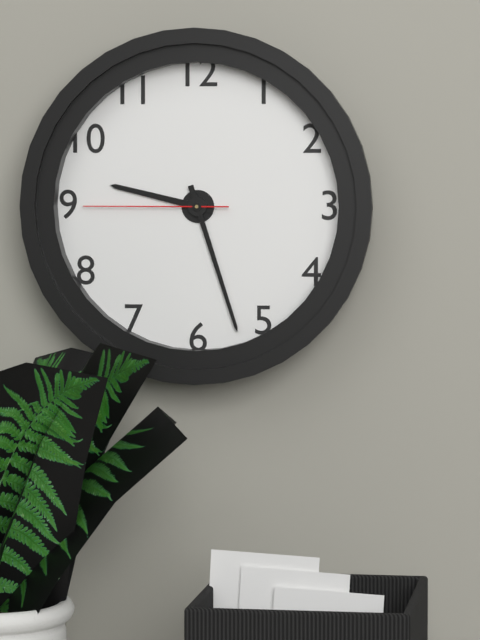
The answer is h=9 m=27 s=45
